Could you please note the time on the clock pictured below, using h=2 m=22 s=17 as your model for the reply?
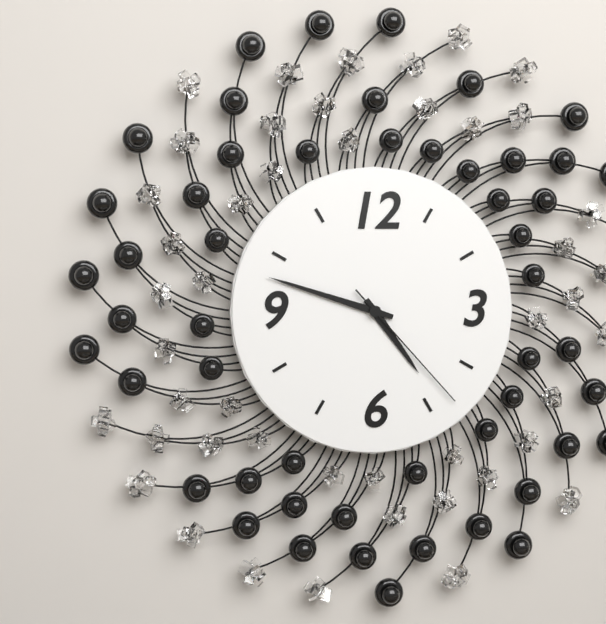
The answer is h=4 m=48 s=23
